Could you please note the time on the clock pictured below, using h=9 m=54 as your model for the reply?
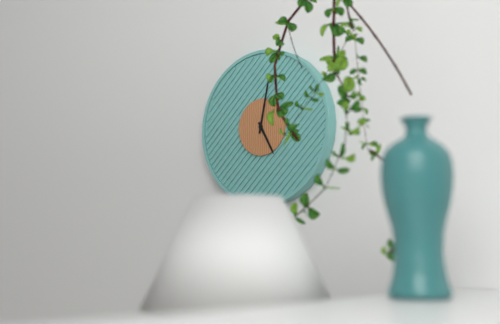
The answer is h=5 m=2
